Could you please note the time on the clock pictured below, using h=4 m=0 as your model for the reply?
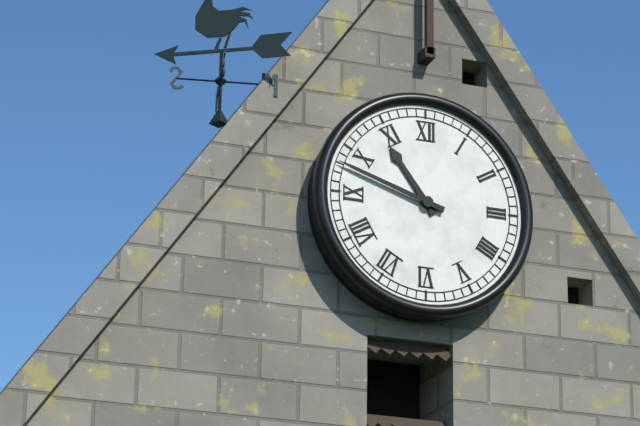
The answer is h=10 m=48
